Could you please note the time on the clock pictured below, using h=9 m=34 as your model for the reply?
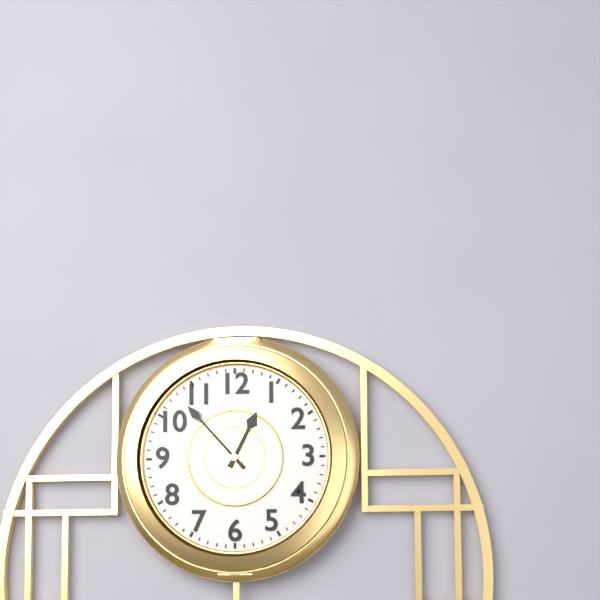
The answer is h=12 m=53
